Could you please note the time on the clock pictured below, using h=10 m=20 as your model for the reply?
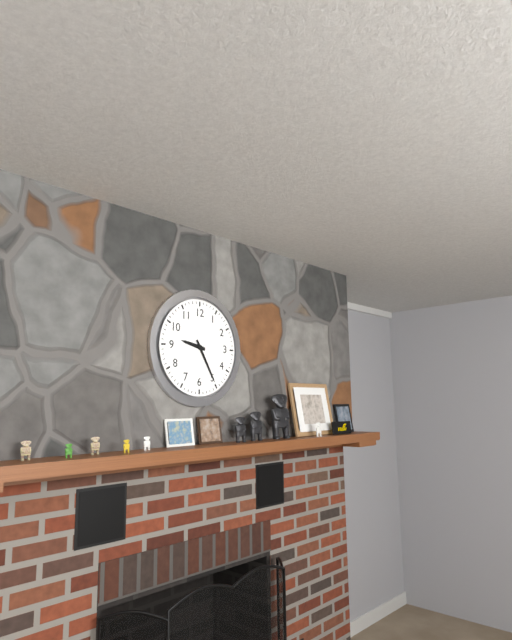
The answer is h=9 m=25
